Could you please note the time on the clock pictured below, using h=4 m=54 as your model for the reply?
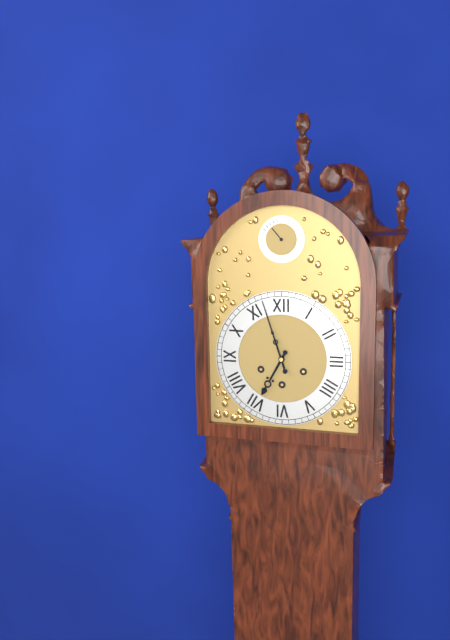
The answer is h=6 m=57
